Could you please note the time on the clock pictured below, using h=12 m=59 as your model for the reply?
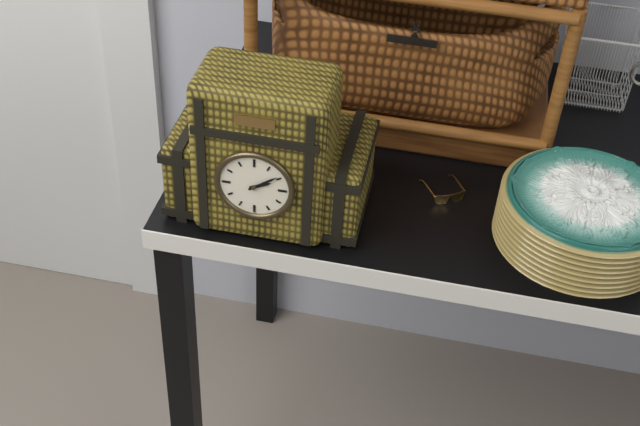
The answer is h=2 m=9
